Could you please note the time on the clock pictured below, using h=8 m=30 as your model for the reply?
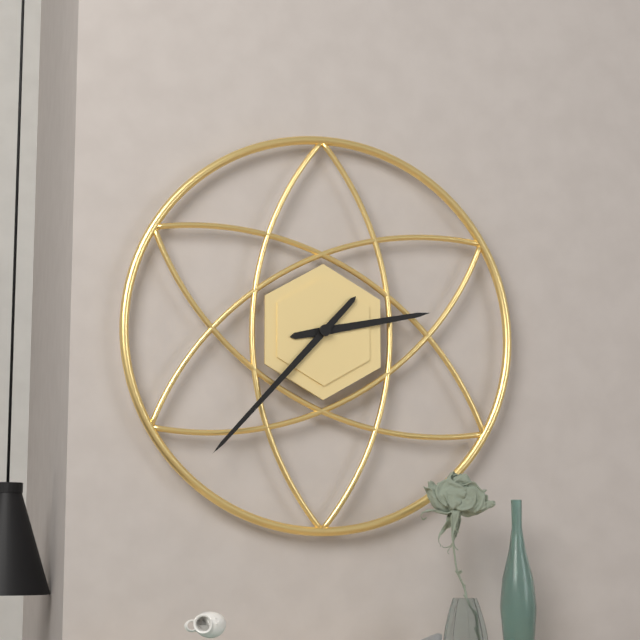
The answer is h=2 m=37
